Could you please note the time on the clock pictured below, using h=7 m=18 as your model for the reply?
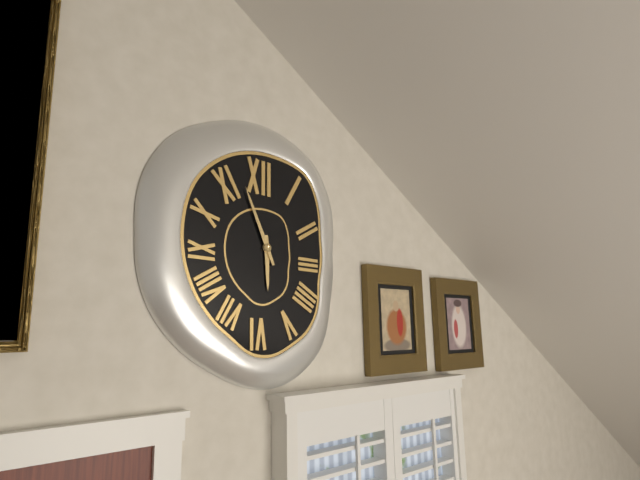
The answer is h=5 m=56
